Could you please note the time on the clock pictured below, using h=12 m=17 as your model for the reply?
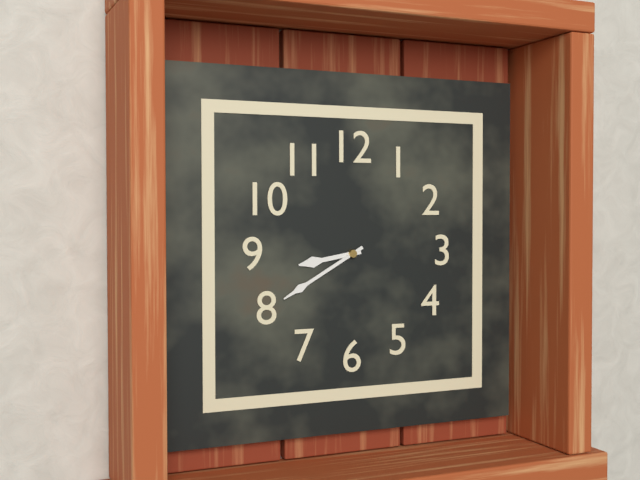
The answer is h=8 m=40
